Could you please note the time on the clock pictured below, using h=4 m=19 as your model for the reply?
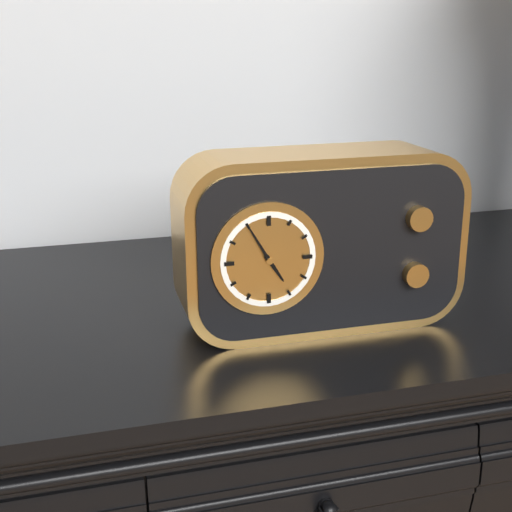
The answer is h=4 m=55
